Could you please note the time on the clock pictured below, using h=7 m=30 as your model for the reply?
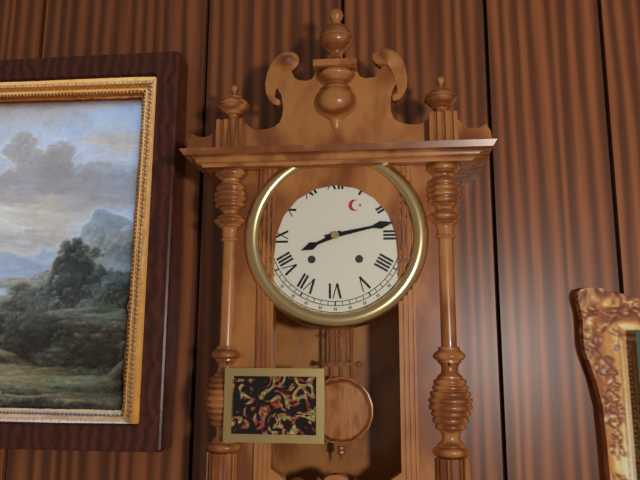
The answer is h=8 m=13
